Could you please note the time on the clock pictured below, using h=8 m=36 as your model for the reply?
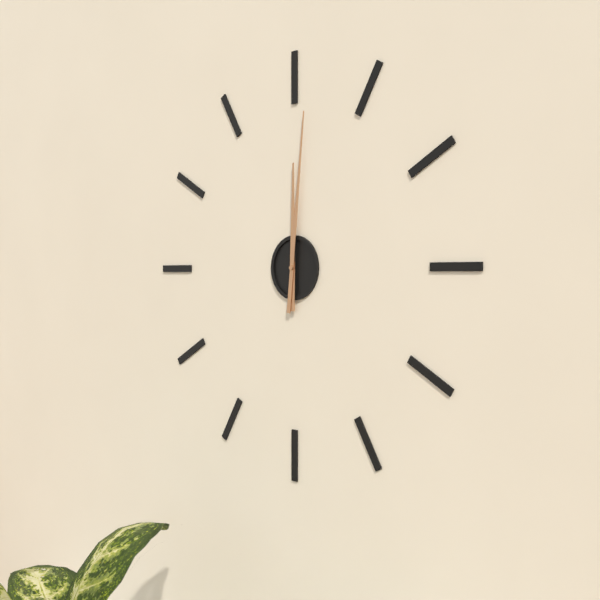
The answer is h=12 m=1
